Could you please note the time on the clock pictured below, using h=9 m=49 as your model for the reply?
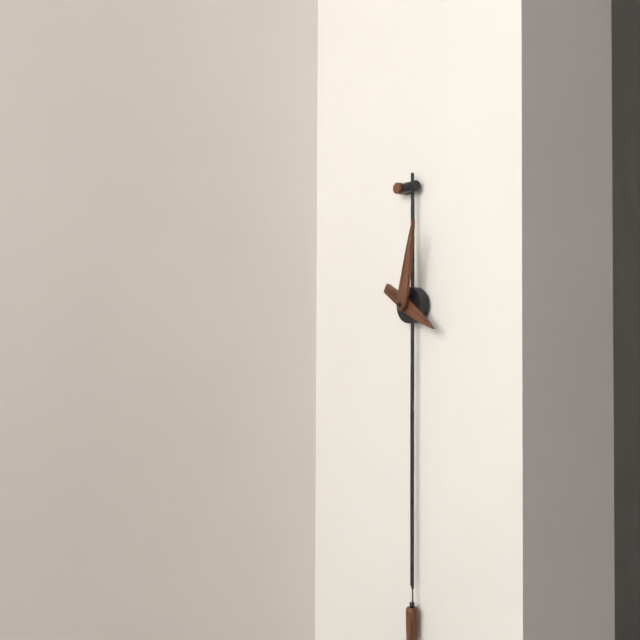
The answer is h=4 m=2
